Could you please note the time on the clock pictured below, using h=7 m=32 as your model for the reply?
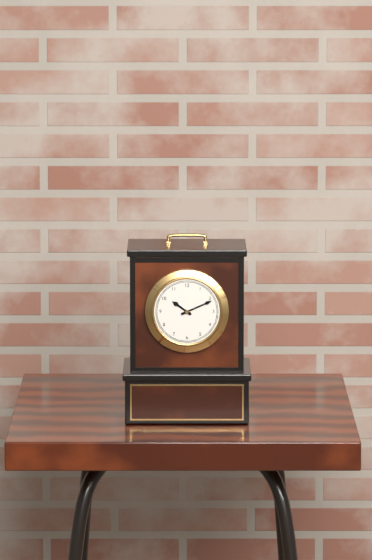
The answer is h=10 m=11
